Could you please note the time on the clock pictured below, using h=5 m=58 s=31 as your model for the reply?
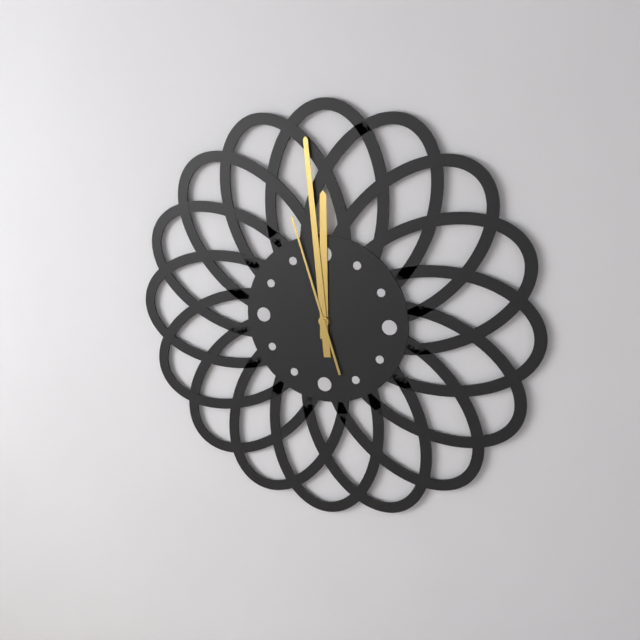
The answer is h=11 m=59 s=57
